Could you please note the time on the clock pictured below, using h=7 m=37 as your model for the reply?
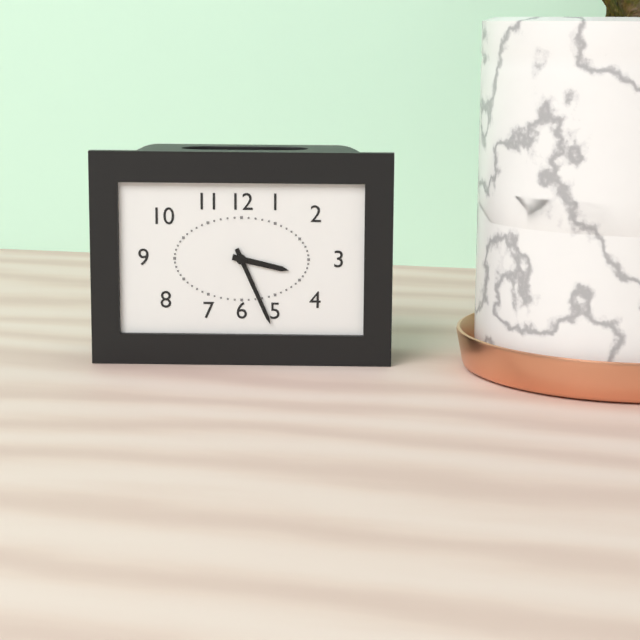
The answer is h=3 m=26
